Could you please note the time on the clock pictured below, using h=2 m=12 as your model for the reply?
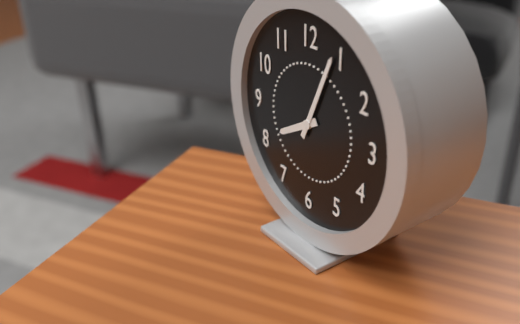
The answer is h=8 m=4
